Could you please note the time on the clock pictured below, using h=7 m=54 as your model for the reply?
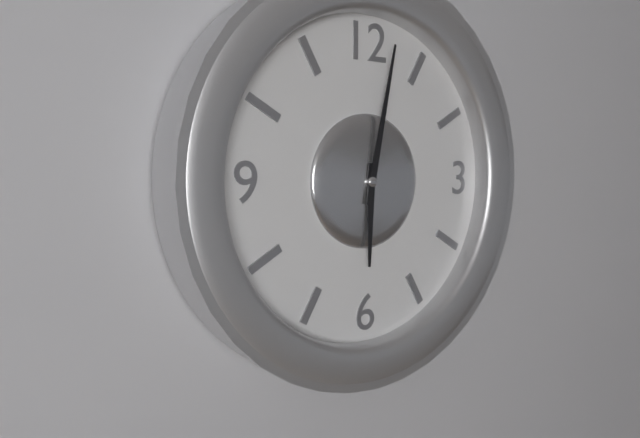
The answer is h=6 m=2
